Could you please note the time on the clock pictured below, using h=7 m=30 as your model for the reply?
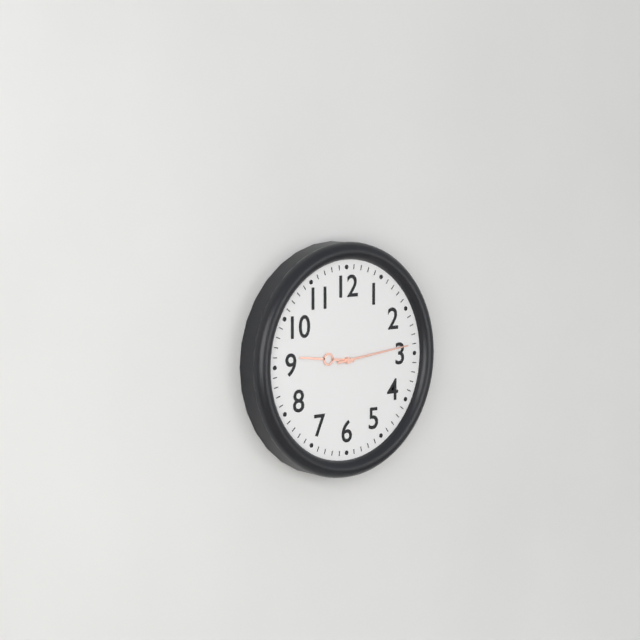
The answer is h=9 m=14
